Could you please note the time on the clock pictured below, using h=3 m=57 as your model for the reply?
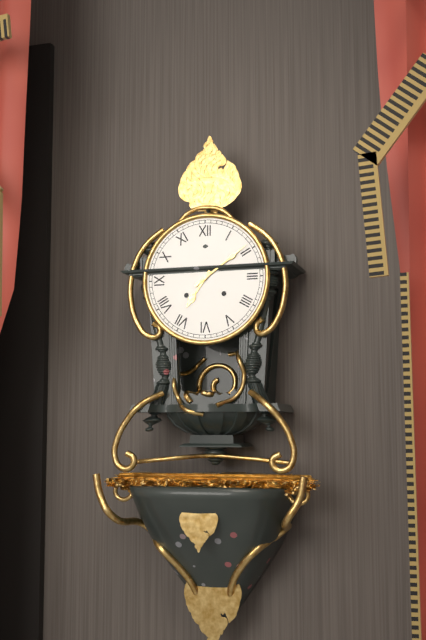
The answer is h=7 m=9
